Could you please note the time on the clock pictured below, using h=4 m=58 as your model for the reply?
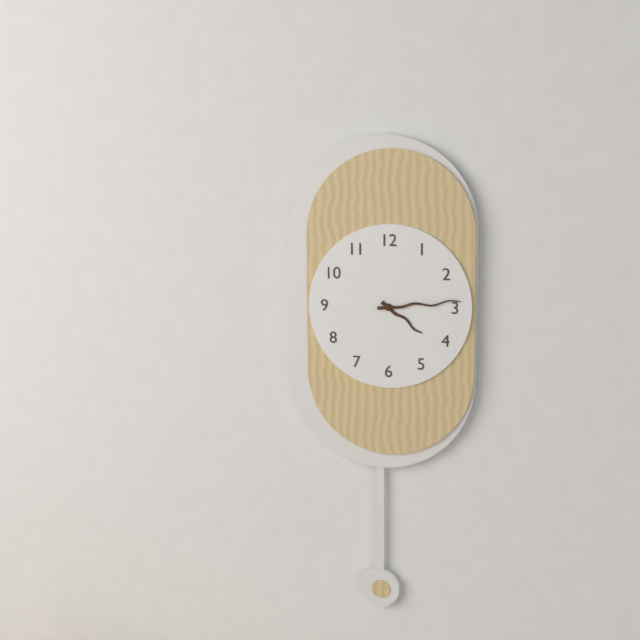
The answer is h=4 m=14
